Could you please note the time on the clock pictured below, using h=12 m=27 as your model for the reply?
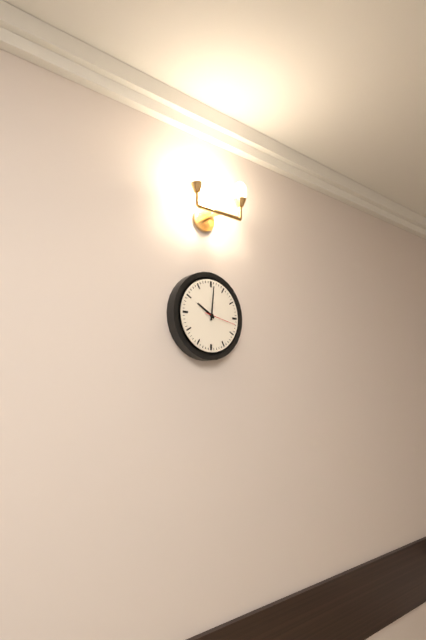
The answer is h=10 m=1
